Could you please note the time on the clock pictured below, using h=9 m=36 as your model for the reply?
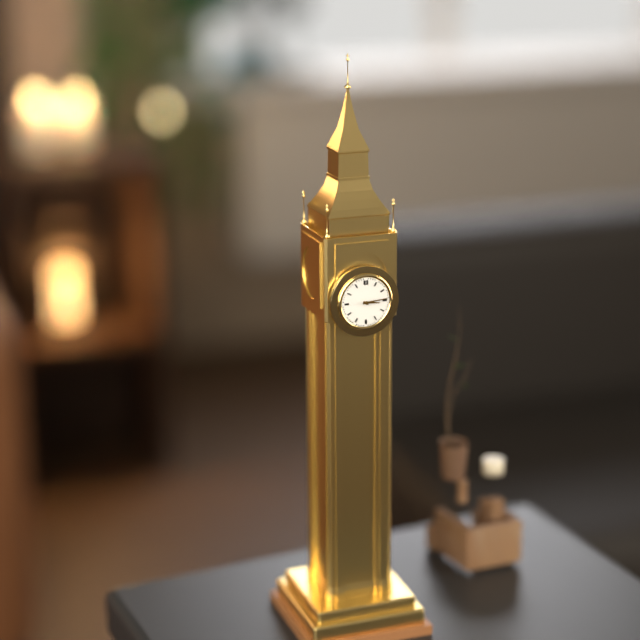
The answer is h=3 m=14
